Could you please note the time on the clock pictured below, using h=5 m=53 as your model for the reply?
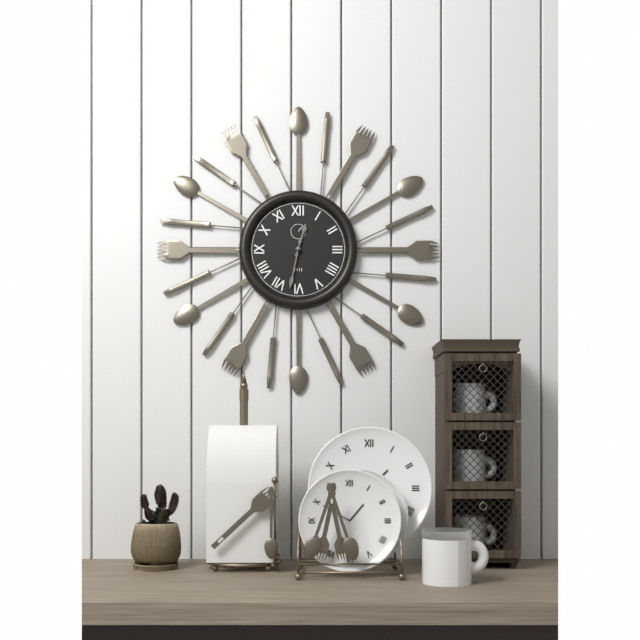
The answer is h=12 m=32
